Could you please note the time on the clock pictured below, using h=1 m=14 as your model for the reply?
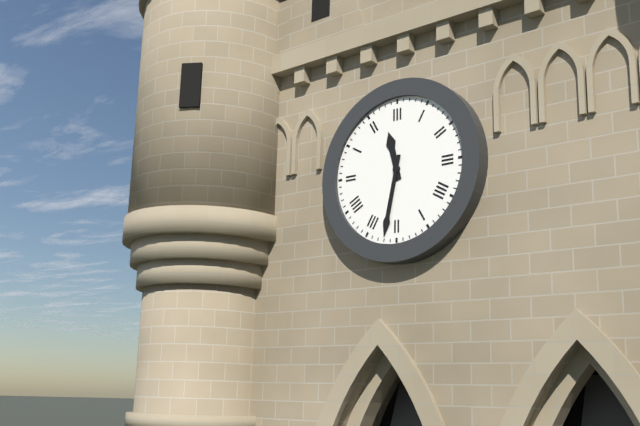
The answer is h=11 m=32
